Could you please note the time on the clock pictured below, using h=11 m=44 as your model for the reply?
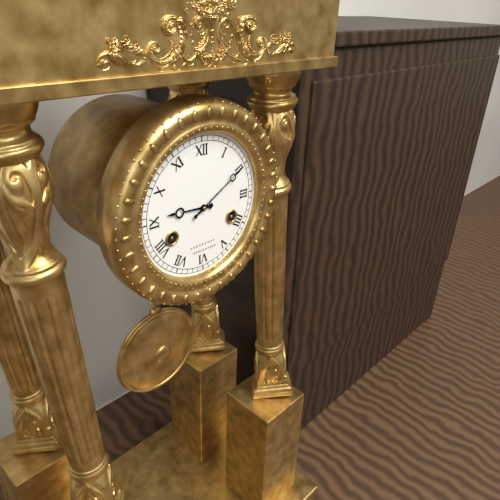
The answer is h=9 m=10
